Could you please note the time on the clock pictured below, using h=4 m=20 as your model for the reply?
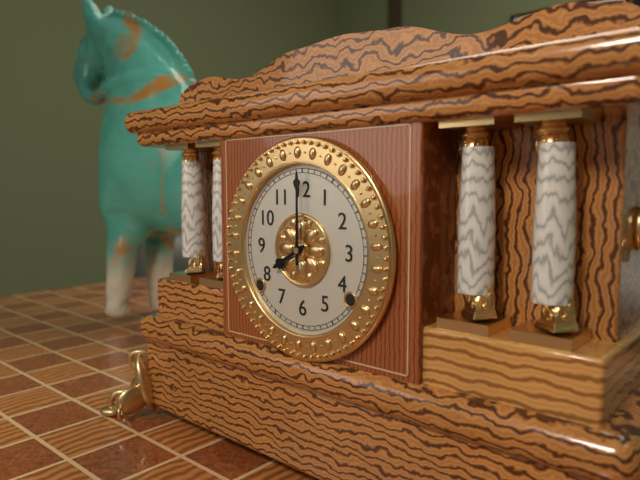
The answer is h=8 m=0
